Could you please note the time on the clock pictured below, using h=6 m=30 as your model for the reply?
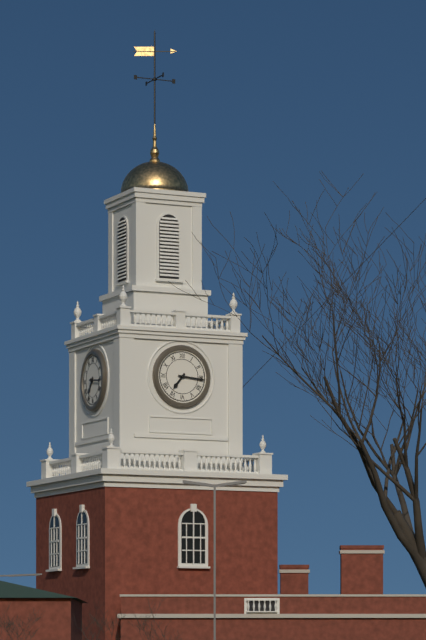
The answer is h=7 m=16
